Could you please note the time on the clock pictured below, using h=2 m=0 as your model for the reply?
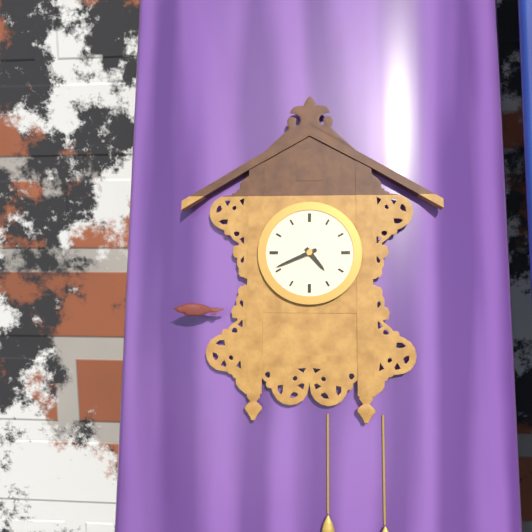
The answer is h=4 m=41
